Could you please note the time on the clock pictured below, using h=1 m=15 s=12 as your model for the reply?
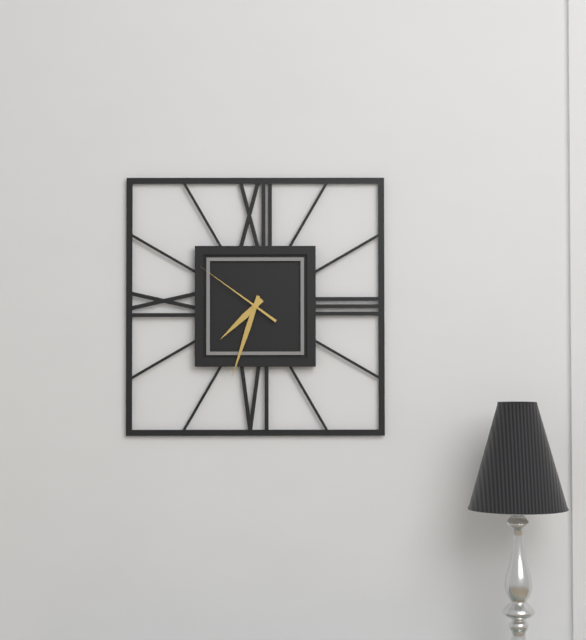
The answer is h=7 m=33 s=51
